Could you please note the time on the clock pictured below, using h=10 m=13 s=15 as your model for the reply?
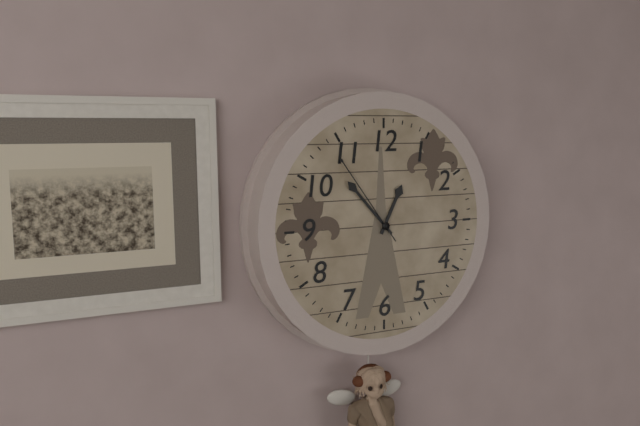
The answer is h=12 m=53 s=54
